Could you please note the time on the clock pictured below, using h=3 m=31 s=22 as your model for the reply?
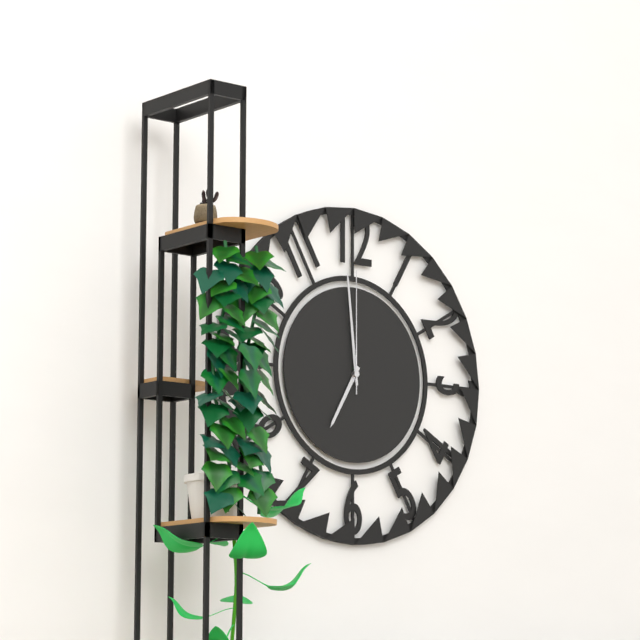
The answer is h=6 m=59 s=0
